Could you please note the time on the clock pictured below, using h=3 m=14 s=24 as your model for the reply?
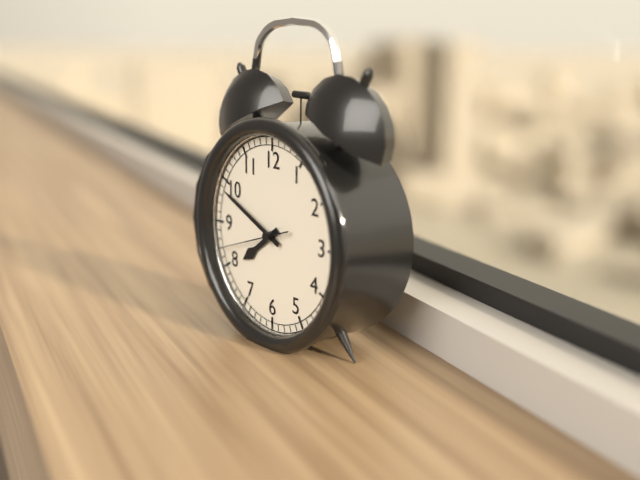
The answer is h=7 m=49 s=42
